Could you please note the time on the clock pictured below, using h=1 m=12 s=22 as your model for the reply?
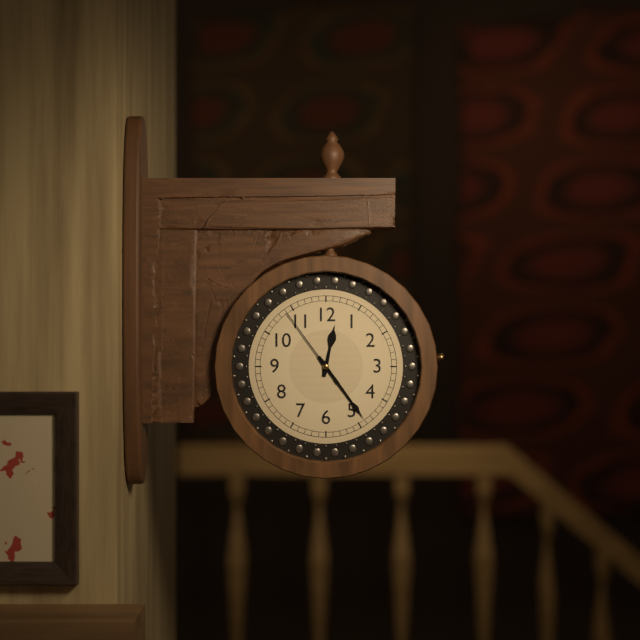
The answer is h=12 m=24 s=54
